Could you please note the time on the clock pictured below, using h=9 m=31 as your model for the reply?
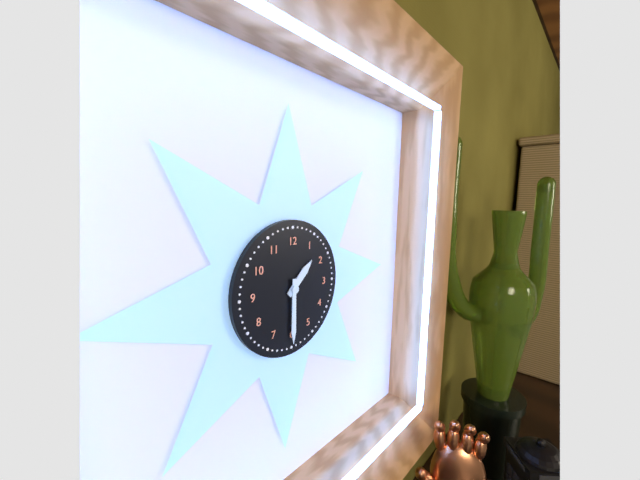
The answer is h=1 m=30
